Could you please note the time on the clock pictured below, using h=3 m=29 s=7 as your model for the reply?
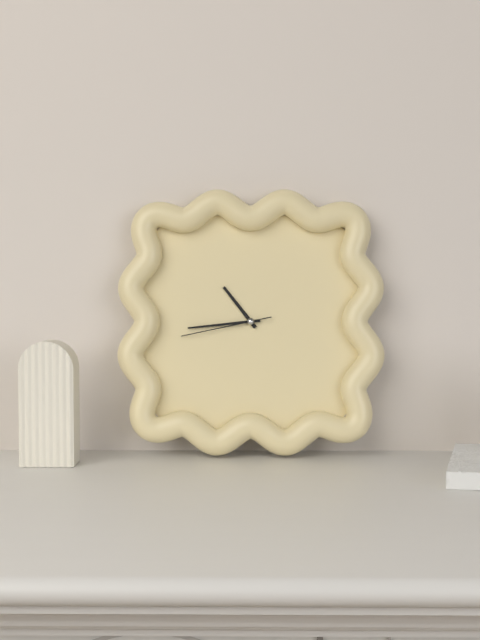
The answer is h=10 m=44 s=43
